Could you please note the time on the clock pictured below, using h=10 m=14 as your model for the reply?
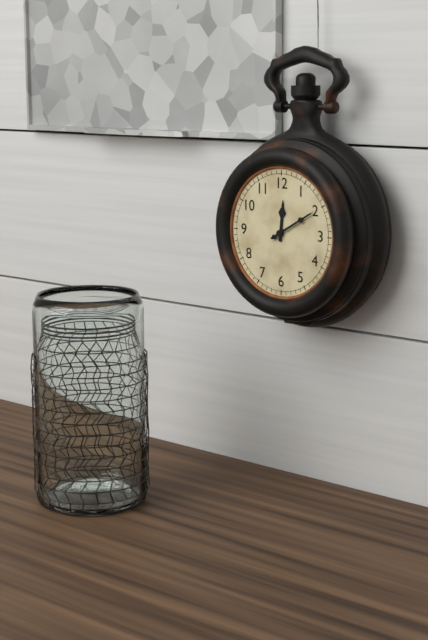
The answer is h=12 m=10
